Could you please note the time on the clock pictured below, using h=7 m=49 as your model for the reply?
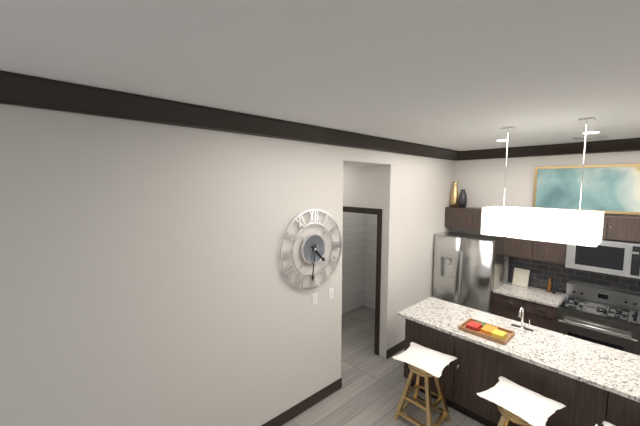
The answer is h=4 m=31
